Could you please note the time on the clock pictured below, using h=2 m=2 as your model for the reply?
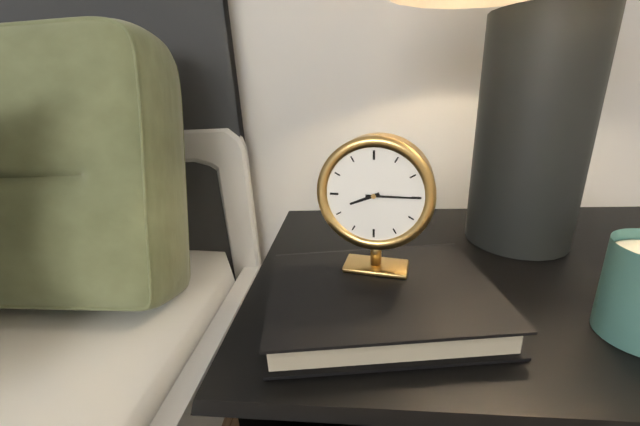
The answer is h=8 m=15
